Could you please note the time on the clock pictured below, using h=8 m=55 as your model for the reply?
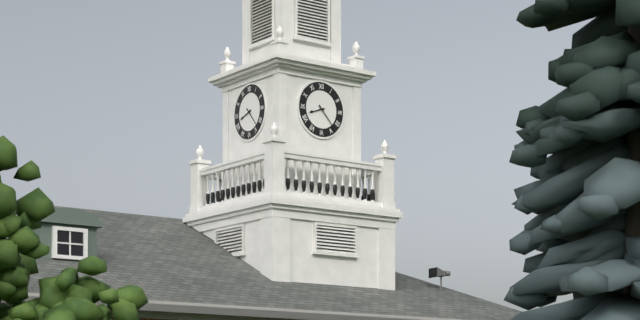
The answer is h=8 m=23
